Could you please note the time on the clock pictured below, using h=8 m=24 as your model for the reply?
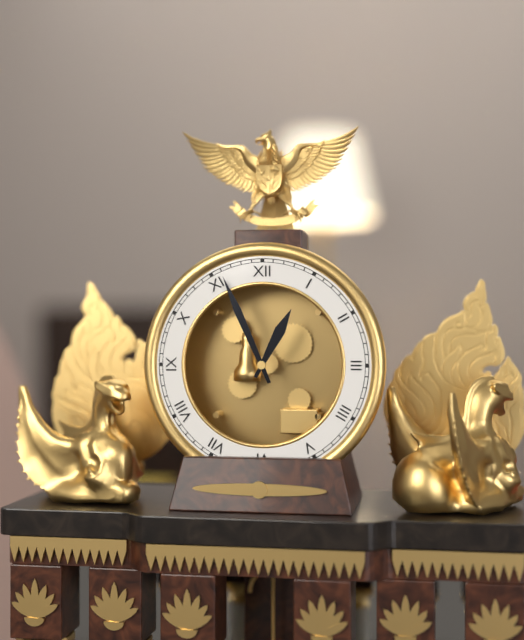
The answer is h=12 m=56
